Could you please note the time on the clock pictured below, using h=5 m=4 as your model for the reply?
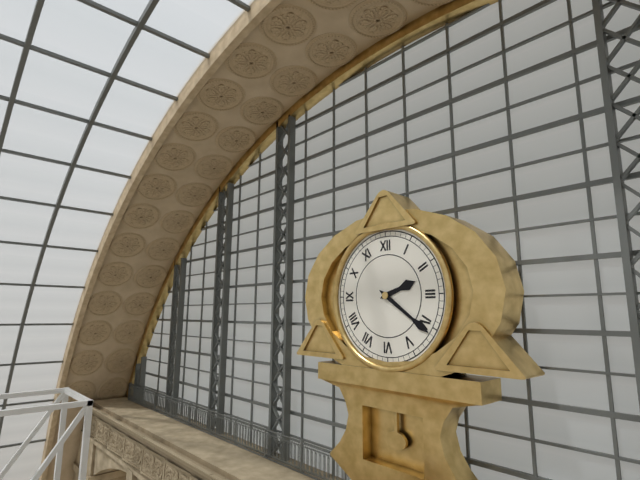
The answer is h=2 m=21
